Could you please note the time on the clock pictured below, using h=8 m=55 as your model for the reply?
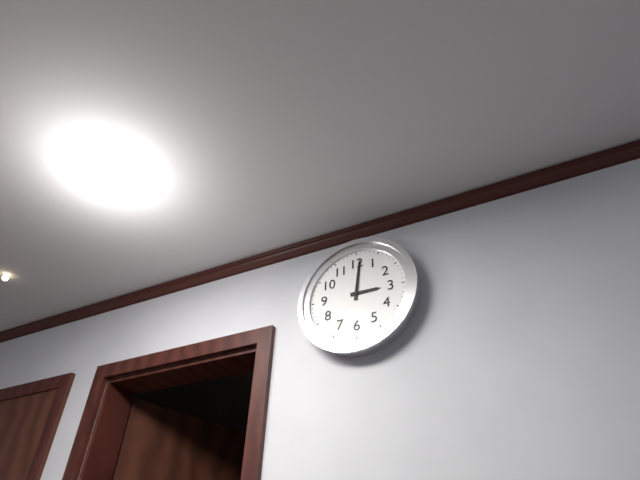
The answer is h=3 m=1
